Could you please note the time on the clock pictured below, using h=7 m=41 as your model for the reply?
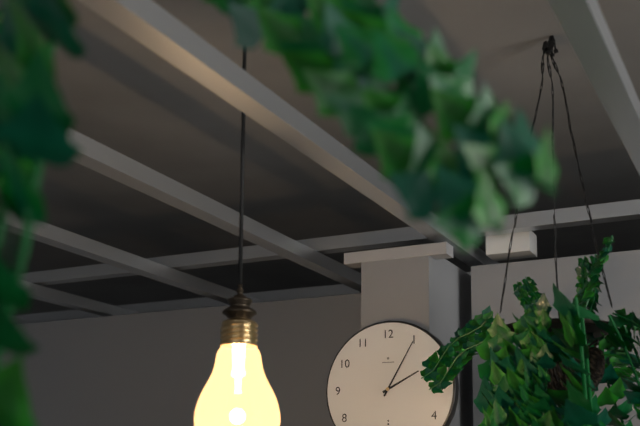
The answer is h=2 m=5
